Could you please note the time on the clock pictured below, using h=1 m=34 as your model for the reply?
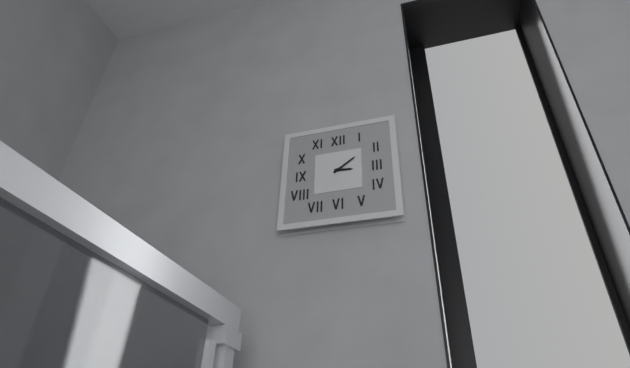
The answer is h=3 m=9
